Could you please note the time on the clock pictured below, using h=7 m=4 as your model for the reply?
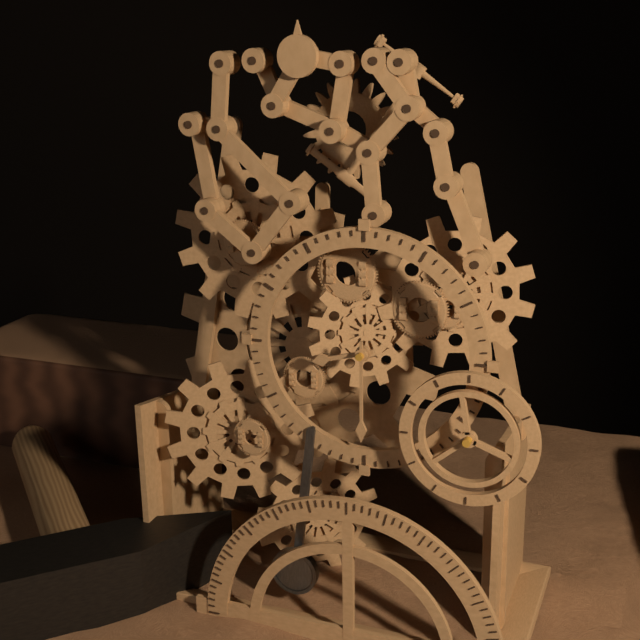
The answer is h=8 m=30
